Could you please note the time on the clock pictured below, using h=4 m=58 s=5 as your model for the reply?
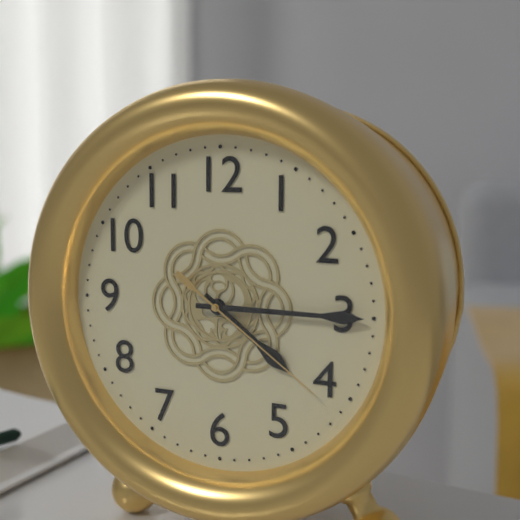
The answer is h=4 m=15 s=21
